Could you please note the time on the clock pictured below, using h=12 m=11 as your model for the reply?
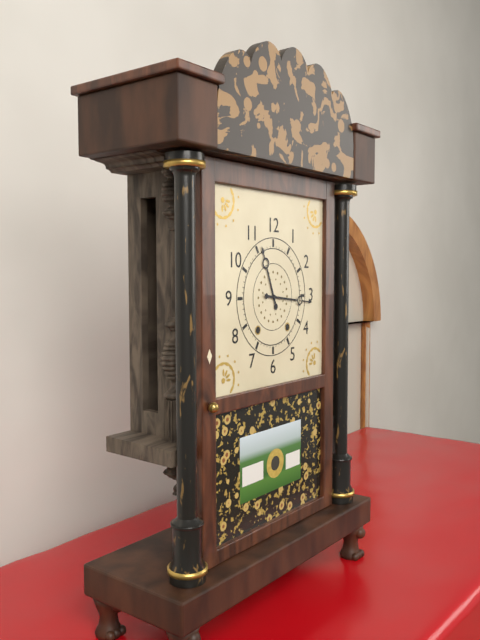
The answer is h=11 m=16
